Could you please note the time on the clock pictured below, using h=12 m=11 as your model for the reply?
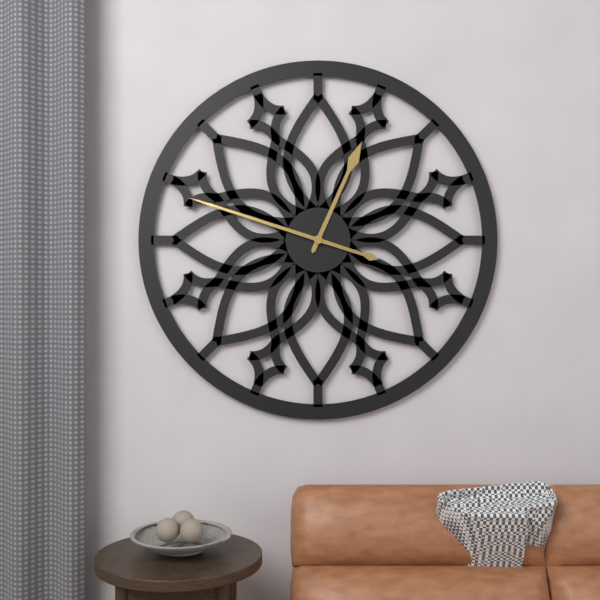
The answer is h=12 m=48
